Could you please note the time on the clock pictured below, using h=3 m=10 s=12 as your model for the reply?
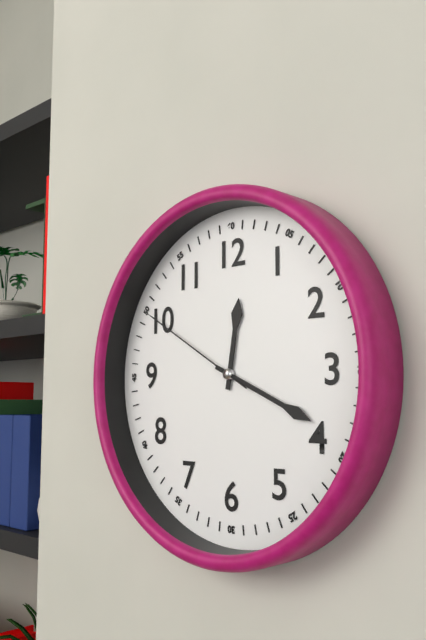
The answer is h=12 m=19 s=50
